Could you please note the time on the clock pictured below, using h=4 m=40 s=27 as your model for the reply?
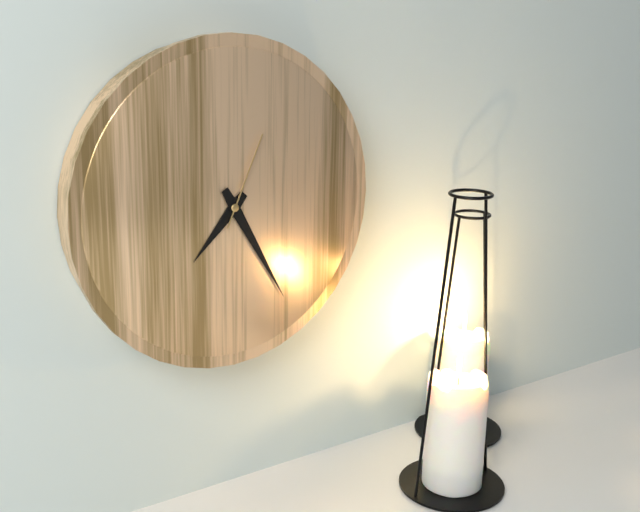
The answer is h=7 m=25 s=4
